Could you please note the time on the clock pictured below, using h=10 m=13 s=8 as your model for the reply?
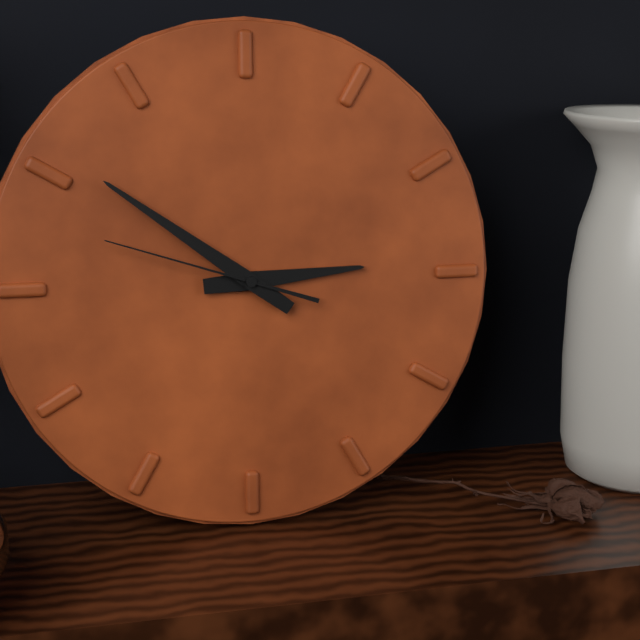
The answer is h=2 m=51 s=48
